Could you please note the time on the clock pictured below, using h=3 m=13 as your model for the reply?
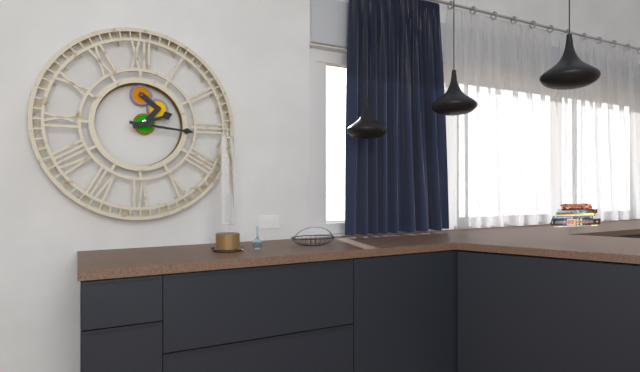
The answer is h=2 m=16
